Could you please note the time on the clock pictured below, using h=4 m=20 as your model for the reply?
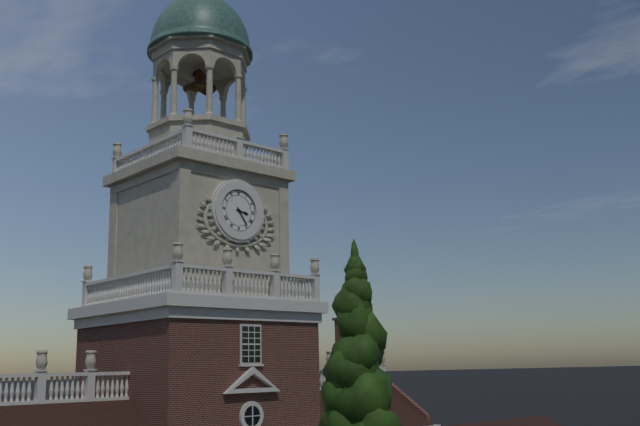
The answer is h=3 m=24
